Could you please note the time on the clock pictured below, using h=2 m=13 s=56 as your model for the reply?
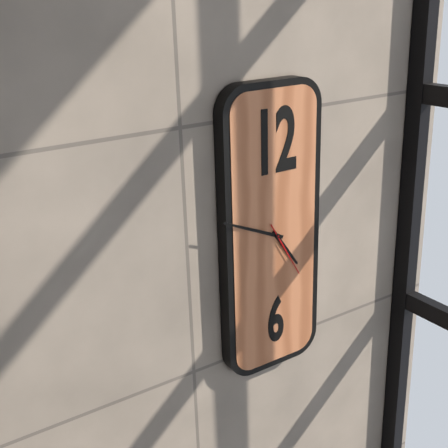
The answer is h=4 m=49 s=25
